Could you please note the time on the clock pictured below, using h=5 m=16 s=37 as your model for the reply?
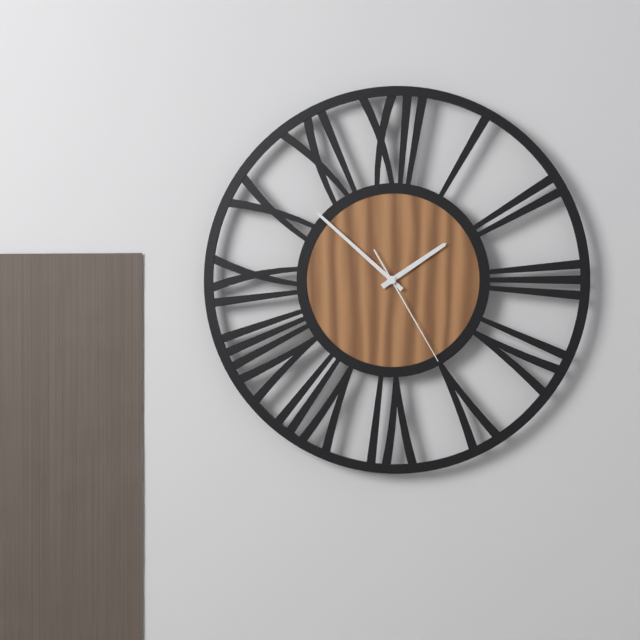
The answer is h=1 m=52 s=25
